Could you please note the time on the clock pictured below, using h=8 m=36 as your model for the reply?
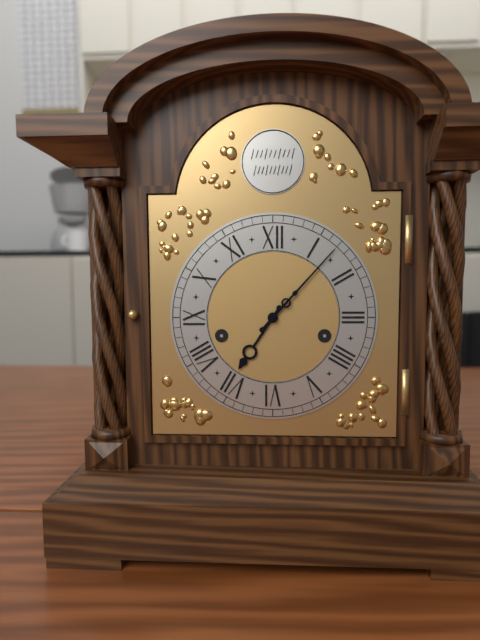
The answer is h=7 m=7
